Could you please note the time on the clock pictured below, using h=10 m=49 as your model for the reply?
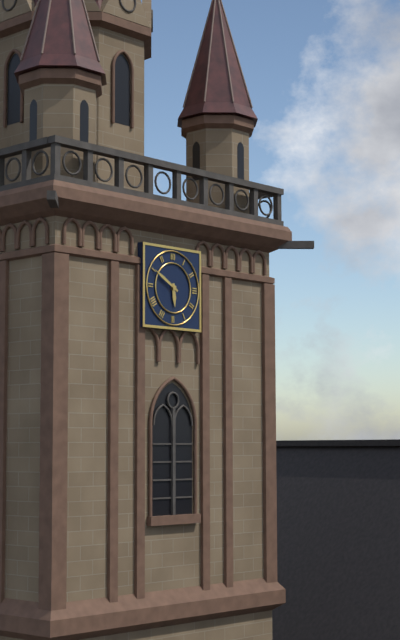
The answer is h=5 m=50
